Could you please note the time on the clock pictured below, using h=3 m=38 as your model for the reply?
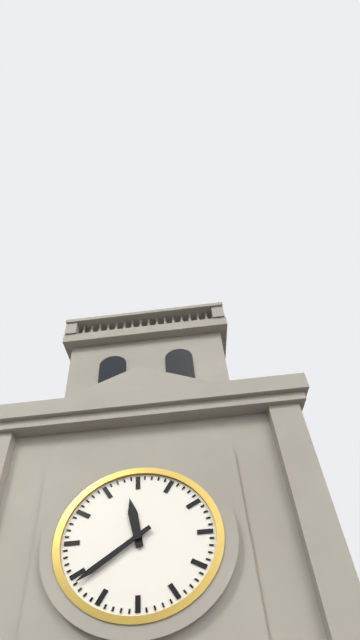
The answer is h=11 m=39
